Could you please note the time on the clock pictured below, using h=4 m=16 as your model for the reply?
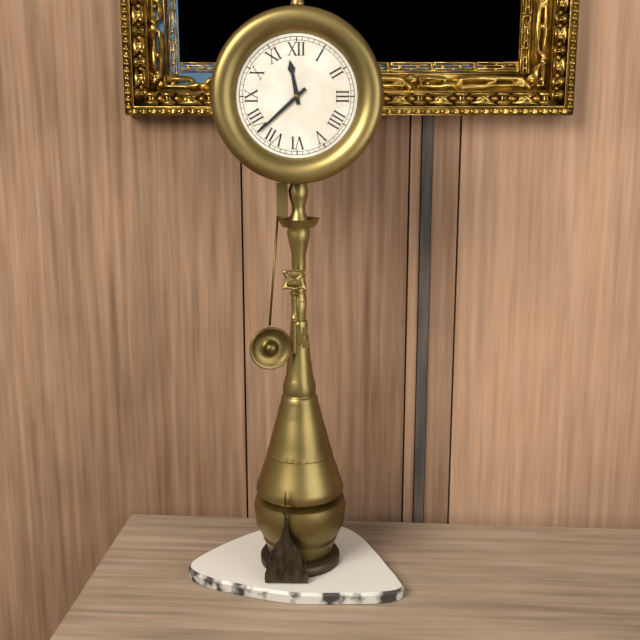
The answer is h=11 m=38
